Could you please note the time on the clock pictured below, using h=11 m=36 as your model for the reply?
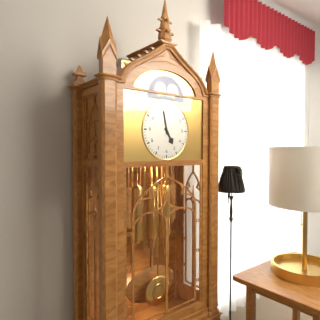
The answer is h=4 m=58
